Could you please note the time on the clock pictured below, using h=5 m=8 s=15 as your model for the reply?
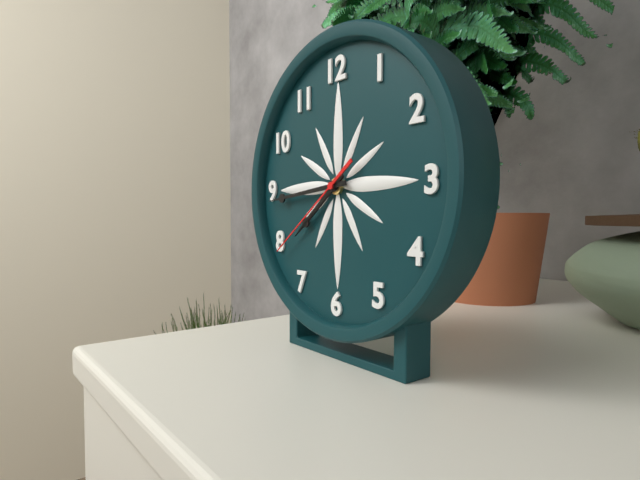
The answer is h=7 m=44 s=39
